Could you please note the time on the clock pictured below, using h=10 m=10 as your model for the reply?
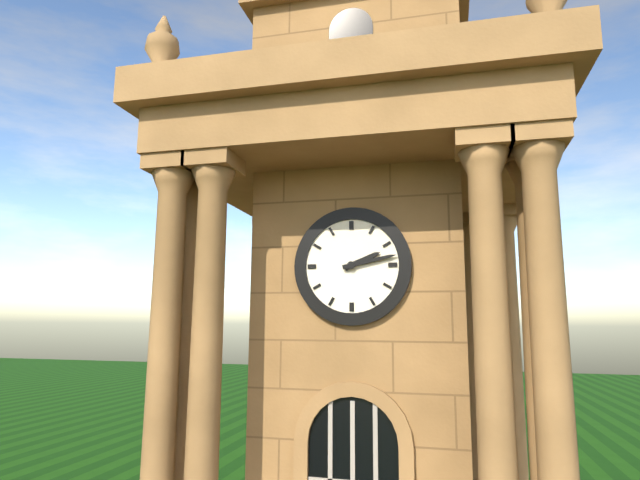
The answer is h=2 m=13
